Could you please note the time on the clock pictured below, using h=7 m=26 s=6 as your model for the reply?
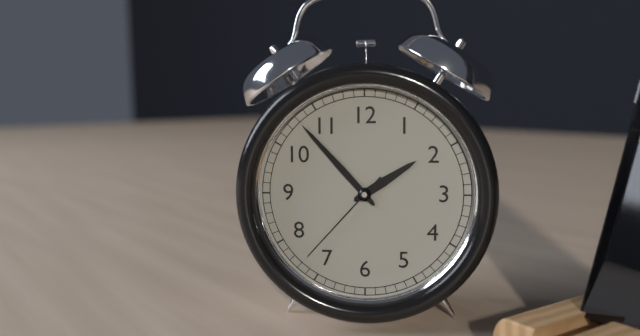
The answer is h=1 m=53 s=37
